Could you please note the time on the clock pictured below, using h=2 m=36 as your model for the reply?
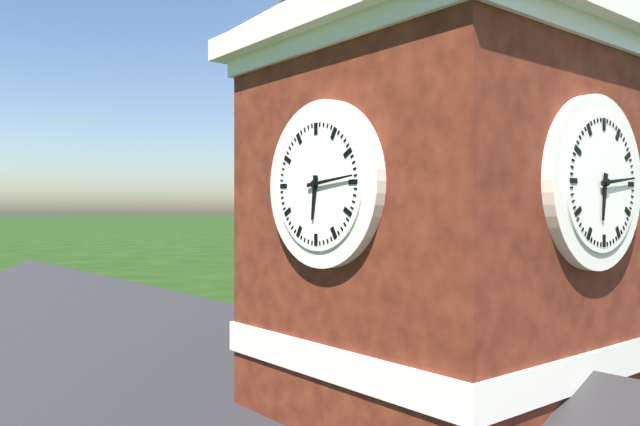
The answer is h=6 m=14
